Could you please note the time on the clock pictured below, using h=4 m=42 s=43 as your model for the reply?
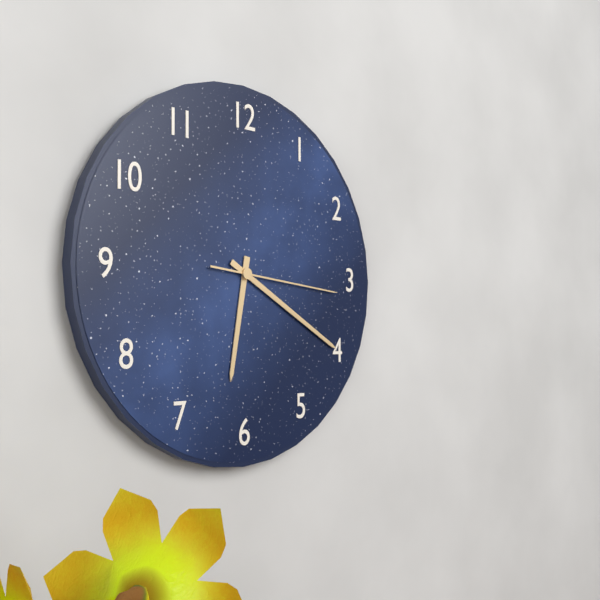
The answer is h=6 m=20 s=16
